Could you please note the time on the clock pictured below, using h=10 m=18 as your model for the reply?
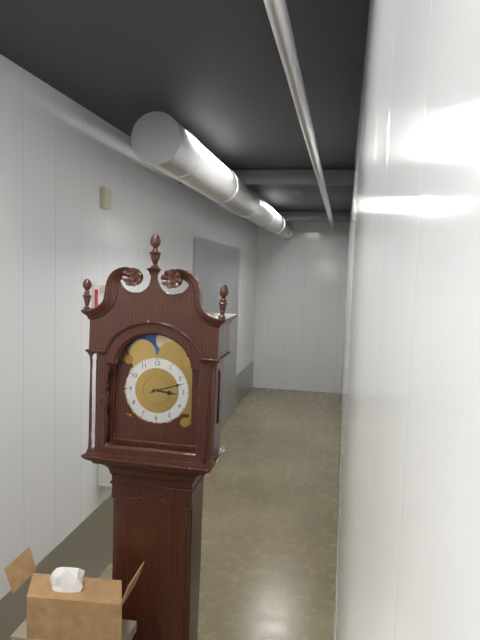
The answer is h=3 m=12
